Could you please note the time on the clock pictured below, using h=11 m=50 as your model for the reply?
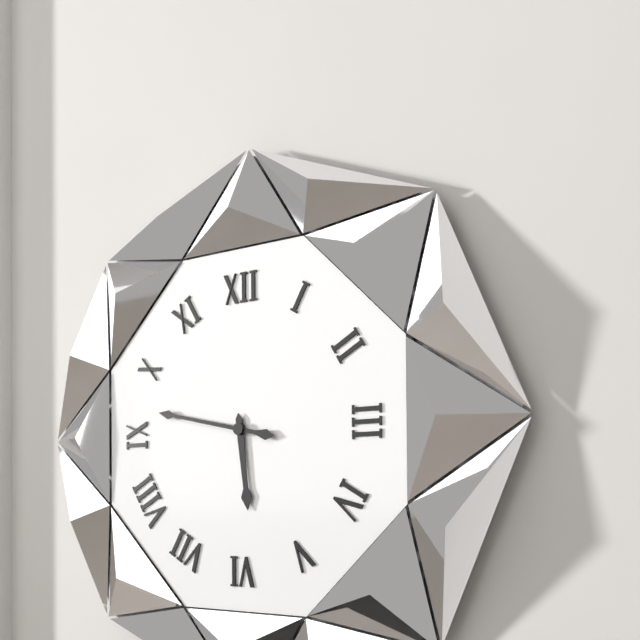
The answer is h=5 m=47
